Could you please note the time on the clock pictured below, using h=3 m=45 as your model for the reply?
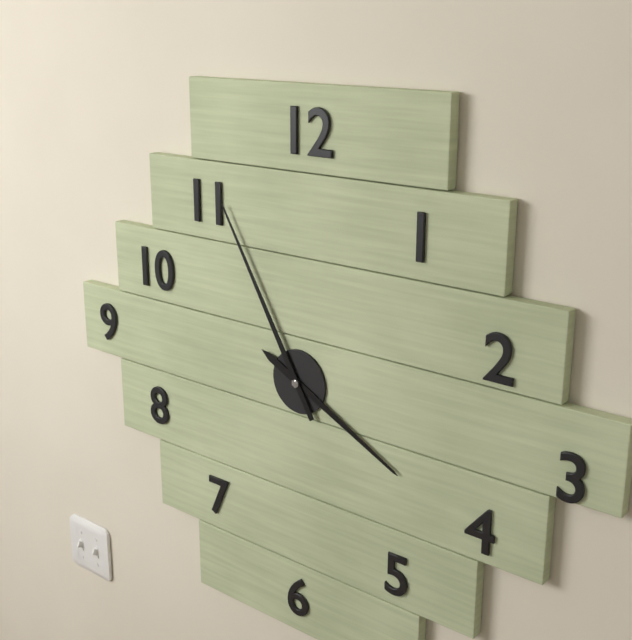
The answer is h=3 m=55
